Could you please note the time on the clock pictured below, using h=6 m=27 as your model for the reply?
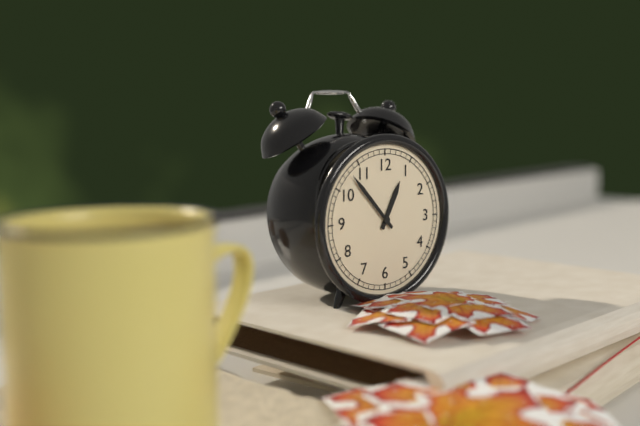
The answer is h=12 m=53
